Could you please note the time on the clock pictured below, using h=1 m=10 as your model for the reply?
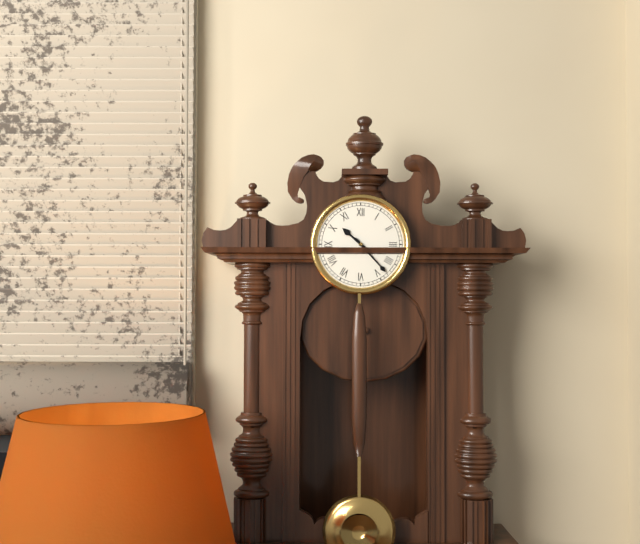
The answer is h=10 m=23
